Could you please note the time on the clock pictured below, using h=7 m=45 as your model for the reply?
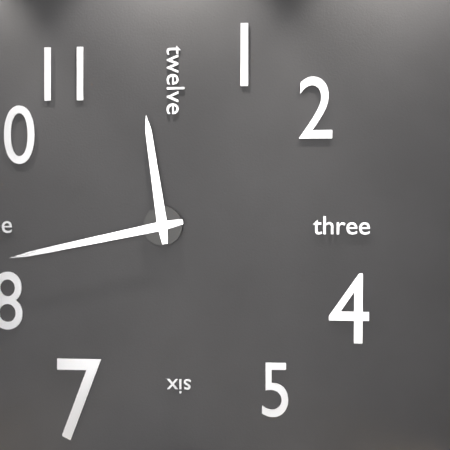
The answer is h=11 m=43
